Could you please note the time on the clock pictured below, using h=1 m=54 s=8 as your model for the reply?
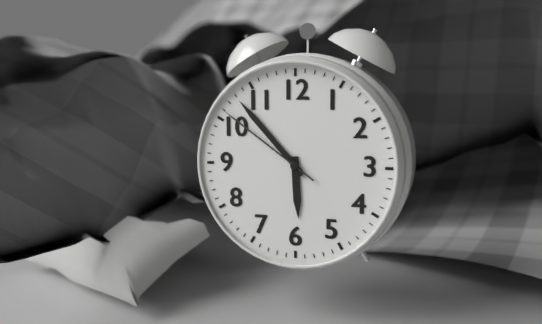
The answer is h=5 m=53 s=51
